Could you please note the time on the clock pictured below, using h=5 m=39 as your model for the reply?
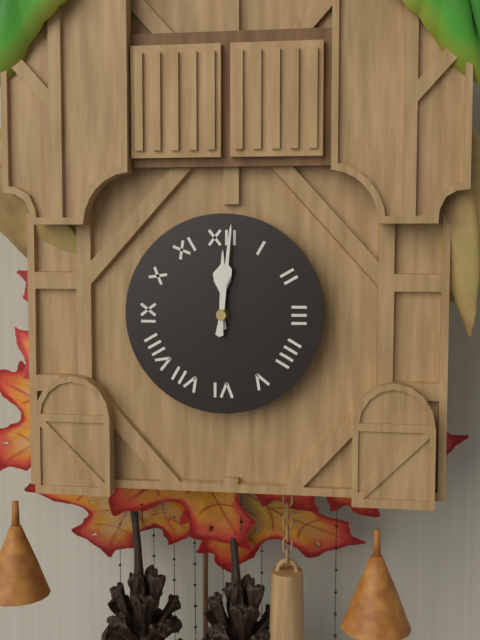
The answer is h=12 m=1
